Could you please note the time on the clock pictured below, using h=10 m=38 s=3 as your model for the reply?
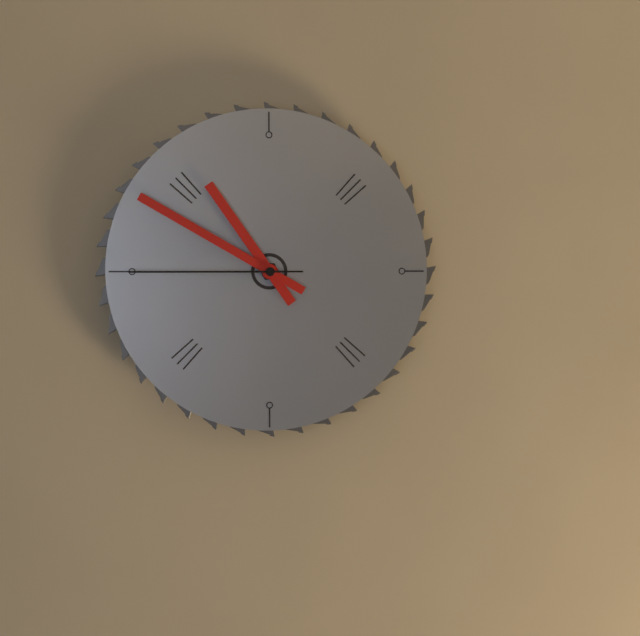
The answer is h=10 m=50 s=45
